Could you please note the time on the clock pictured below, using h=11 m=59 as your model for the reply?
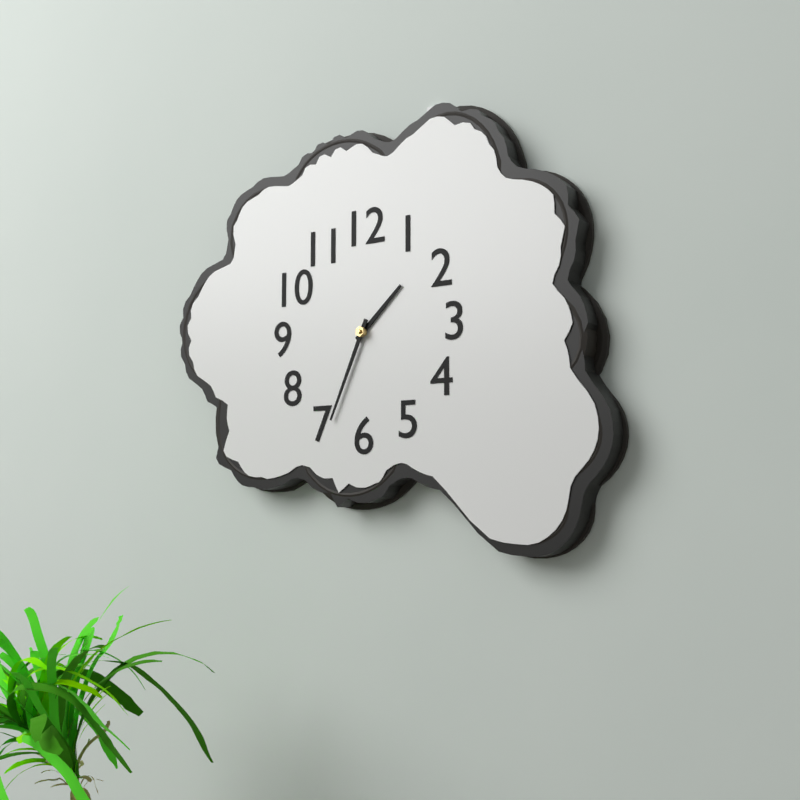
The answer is h=1 m=34
